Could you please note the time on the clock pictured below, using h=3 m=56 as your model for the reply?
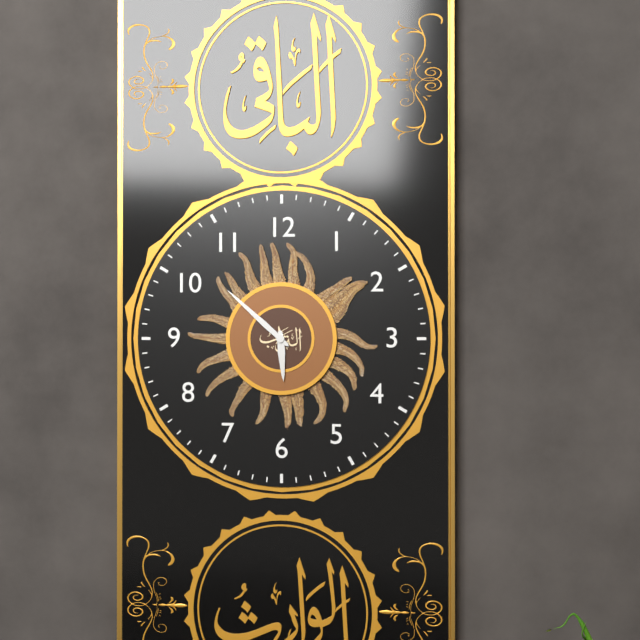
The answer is h=5 m=52
